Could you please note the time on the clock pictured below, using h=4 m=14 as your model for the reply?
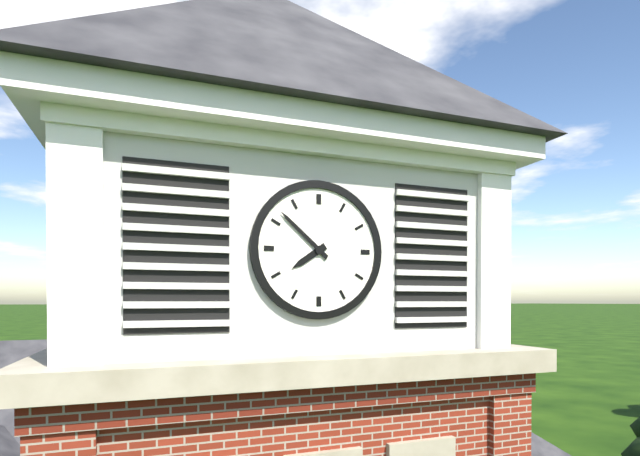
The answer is h=7 m=52
